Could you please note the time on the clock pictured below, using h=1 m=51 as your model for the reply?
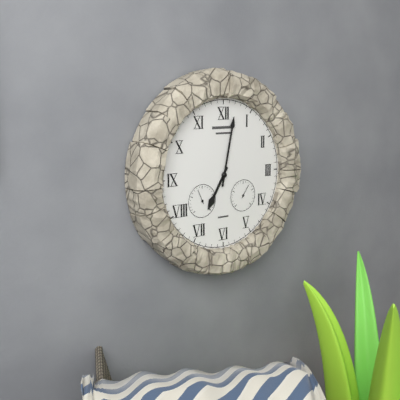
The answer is h=7 m=2
